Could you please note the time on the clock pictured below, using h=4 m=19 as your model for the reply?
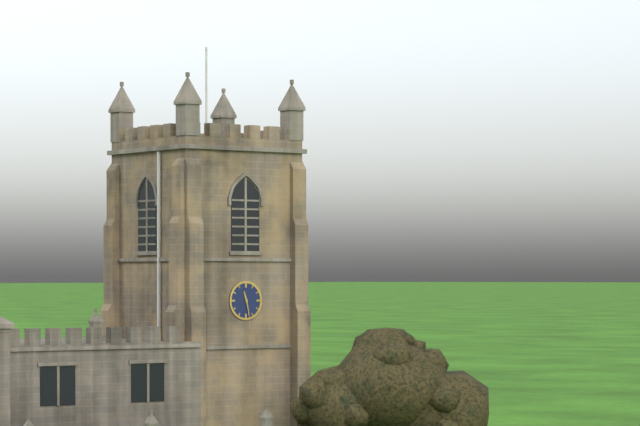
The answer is h=11 m=28
